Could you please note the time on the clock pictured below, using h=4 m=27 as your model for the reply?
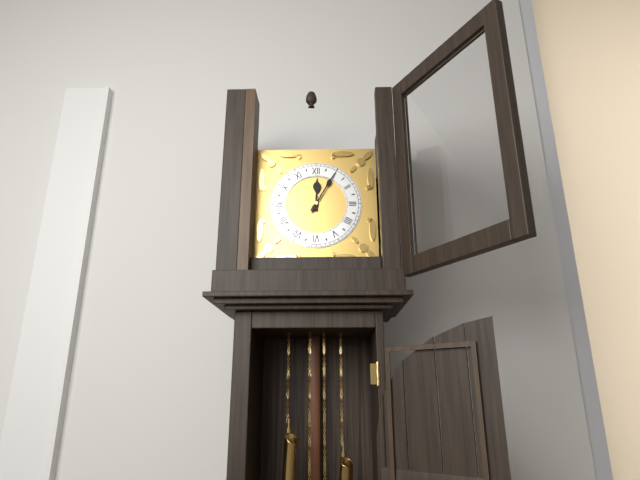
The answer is h=12 m=5
